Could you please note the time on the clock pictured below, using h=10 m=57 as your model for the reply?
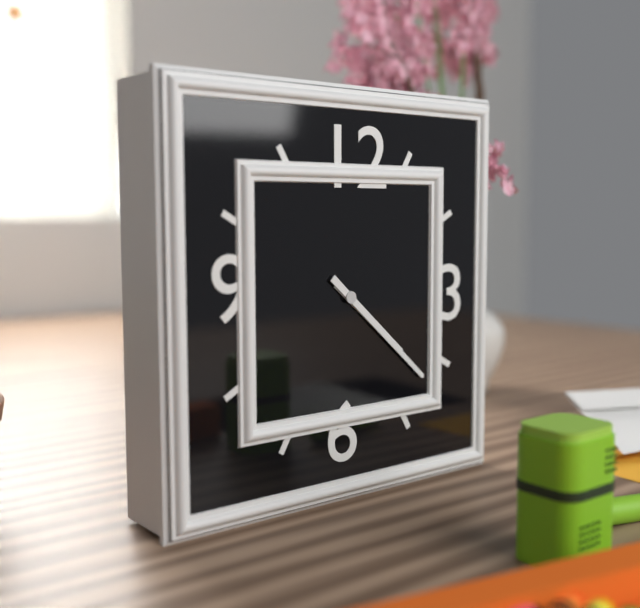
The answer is h=4 m=22
